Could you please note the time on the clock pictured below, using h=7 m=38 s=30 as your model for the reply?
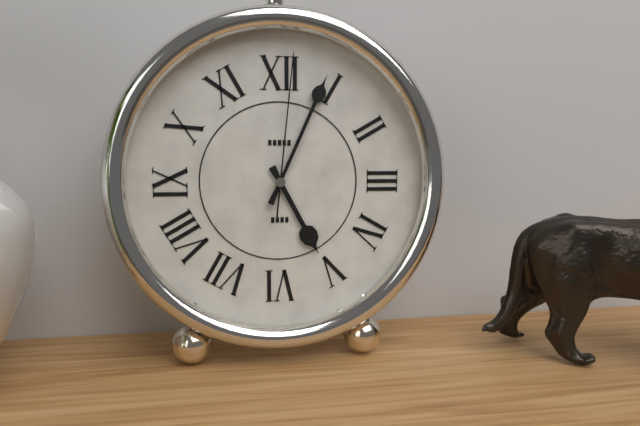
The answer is h=5 m=4 s=1
